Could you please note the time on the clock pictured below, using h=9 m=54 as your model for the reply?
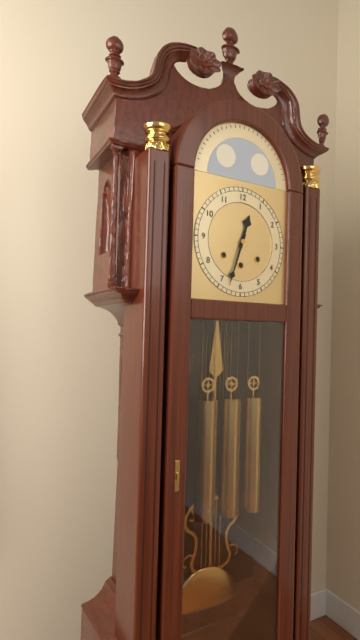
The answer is h=12 m=33
